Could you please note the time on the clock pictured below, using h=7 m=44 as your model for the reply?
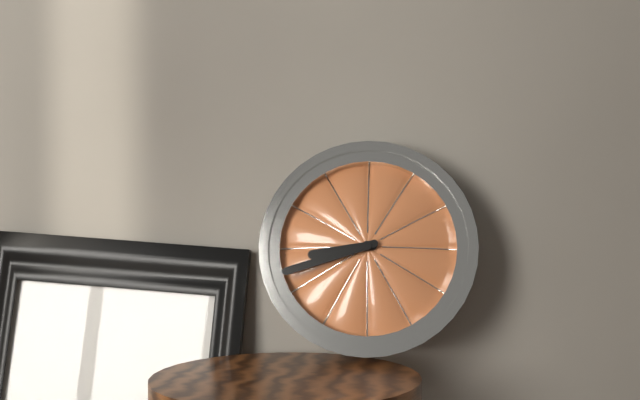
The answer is h=8 m=42
